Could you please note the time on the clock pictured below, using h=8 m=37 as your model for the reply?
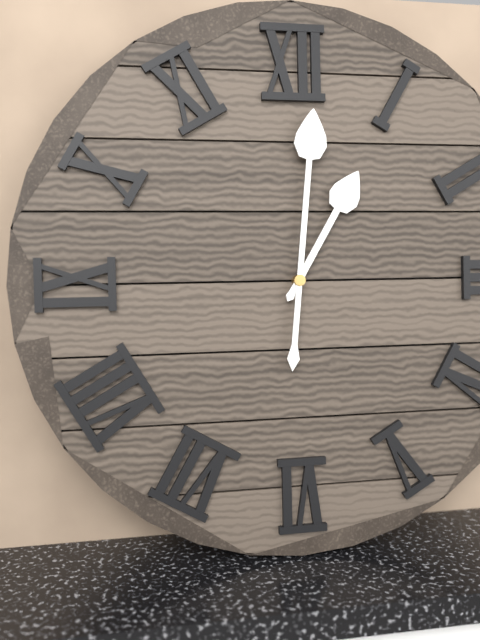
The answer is h=1 m=1
